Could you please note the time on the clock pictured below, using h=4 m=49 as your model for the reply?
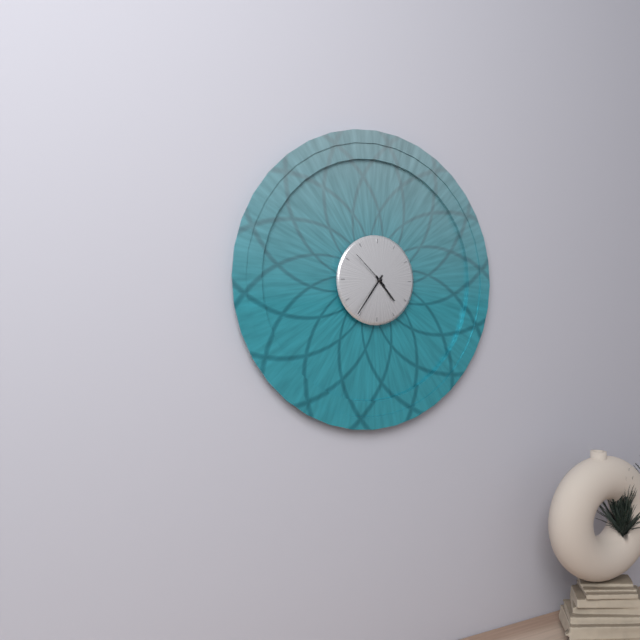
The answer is h=4 m=36
